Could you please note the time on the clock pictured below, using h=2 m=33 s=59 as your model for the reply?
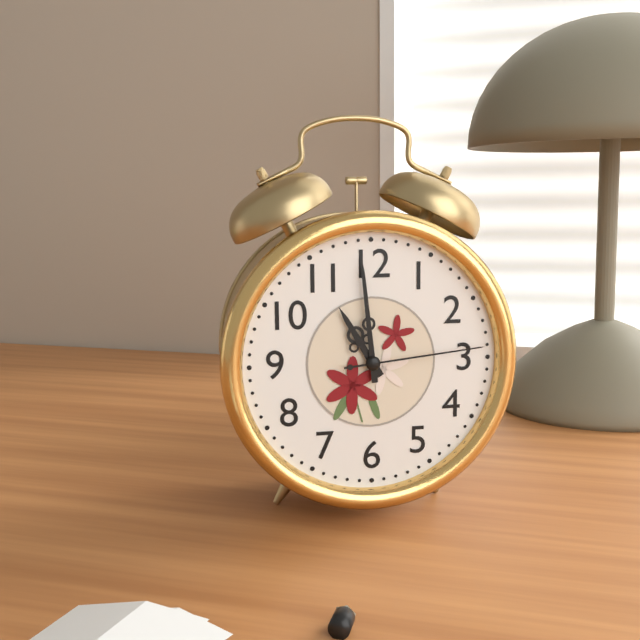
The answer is h=10 m=59 s=14
